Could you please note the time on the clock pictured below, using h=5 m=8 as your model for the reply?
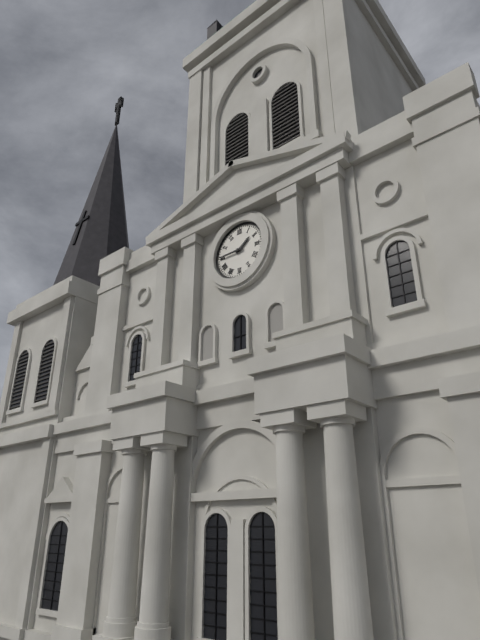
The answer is h=1 m=45
